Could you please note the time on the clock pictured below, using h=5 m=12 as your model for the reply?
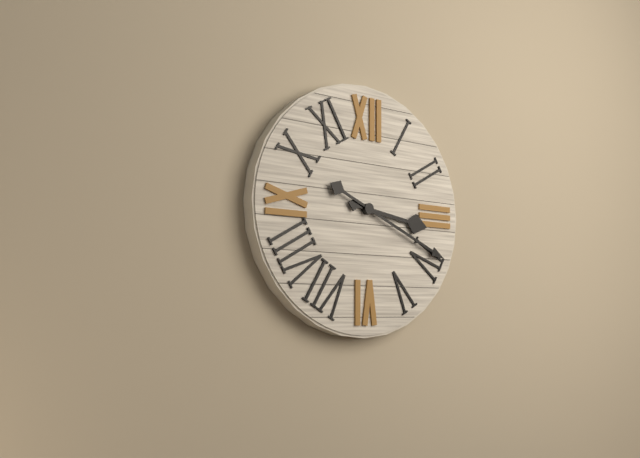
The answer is h=3 m=19
